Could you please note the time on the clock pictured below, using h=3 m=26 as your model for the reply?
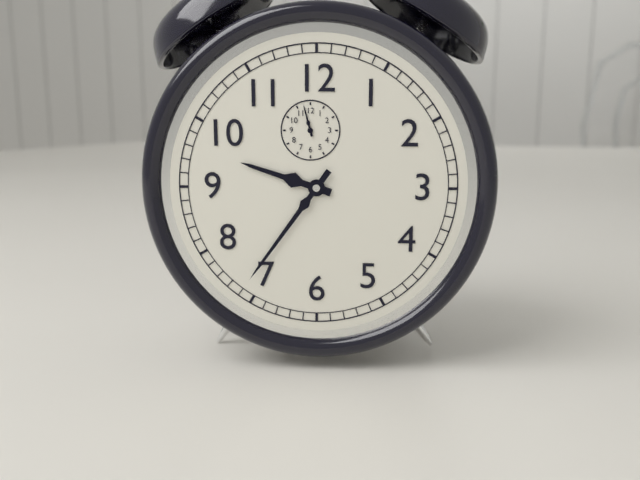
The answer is h=9 m=36
